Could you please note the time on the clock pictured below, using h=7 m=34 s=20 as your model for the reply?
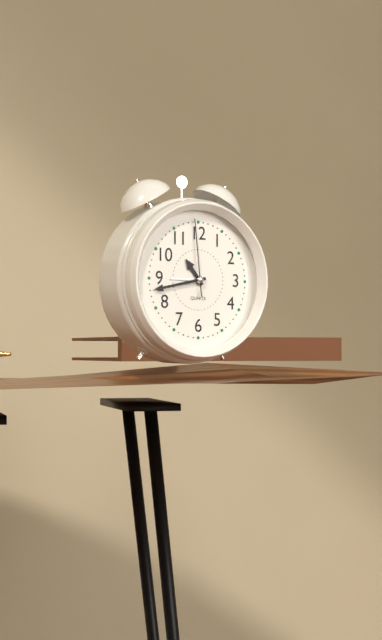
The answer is h=10 m=43 s=59
